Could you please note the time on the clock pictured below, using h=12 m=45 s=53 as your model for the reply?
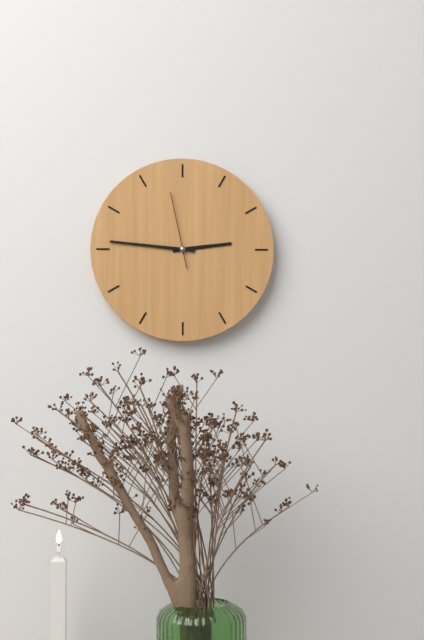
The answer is h=2 m=46 s=58
